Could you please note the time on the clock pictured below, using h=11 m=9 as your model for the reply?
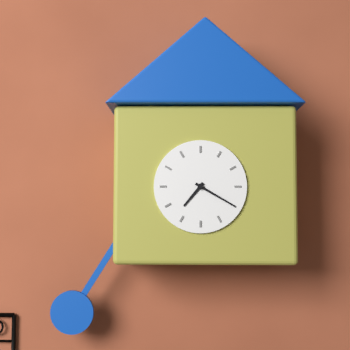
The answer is h=7 m=20
